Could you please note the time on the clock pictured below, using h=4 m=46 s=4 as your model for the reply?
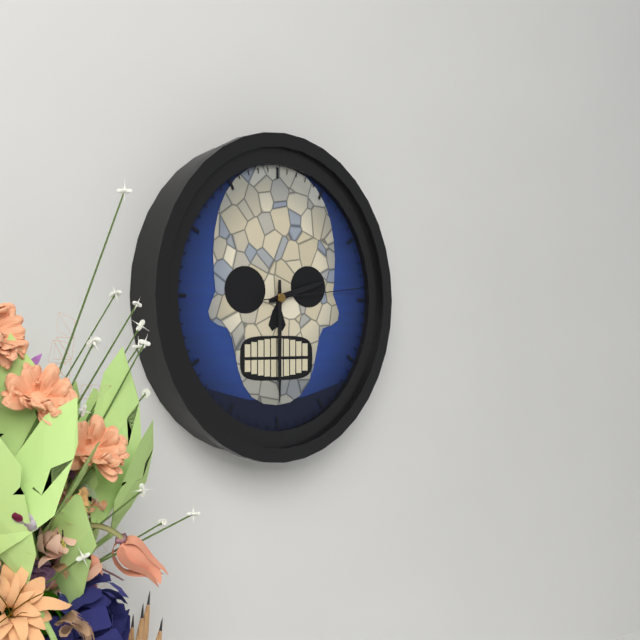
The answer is h=2 m=30 s=14
